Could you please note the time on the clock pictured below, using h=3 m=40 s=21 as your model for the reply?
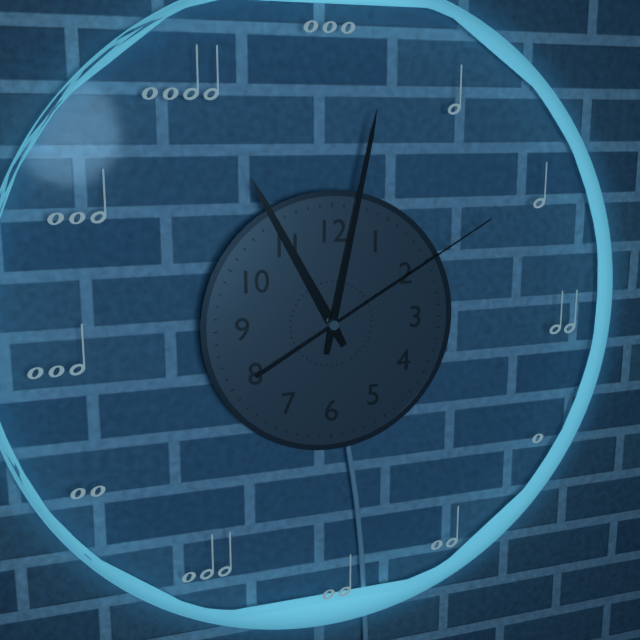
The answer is h=11 m=2 s=10
